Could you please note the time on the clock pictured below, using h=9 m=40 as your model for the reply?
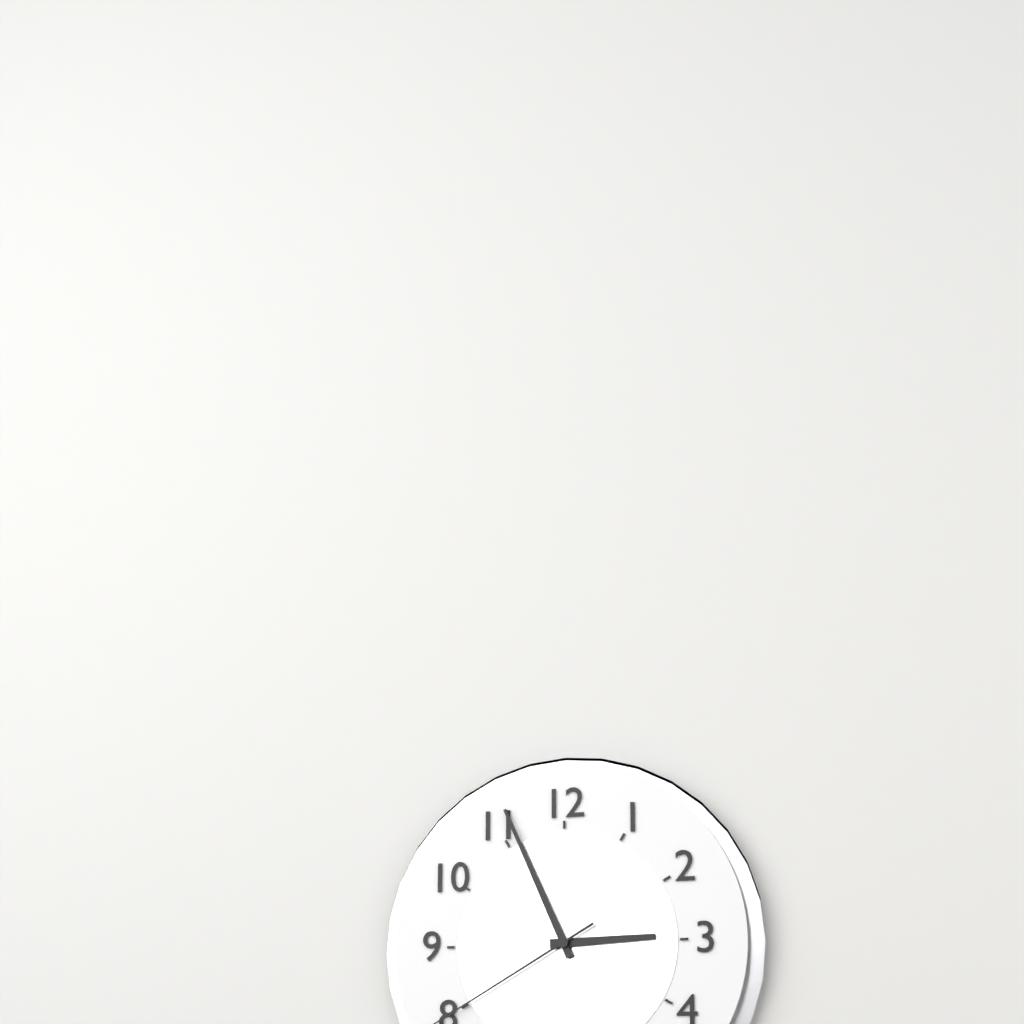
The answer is h=2 m=56
